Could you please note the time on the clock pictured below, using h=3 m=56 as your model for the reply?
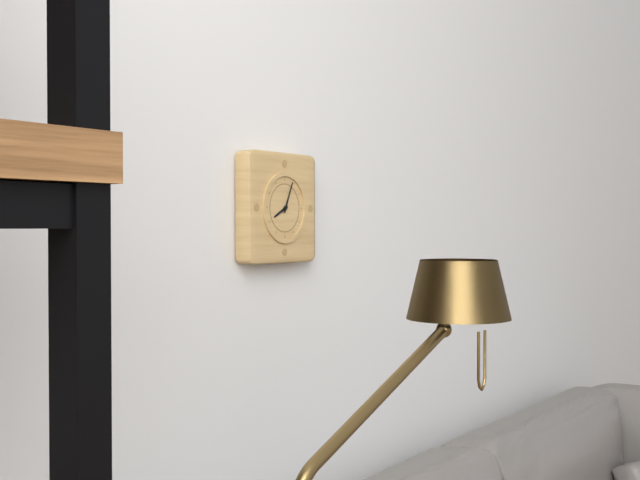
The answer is h=8 m=4
